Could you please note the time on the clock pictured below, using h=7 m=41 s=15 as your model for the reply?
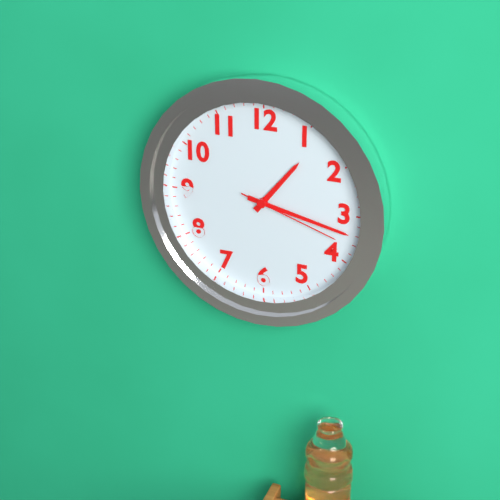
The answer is h=1 m=17 s=18
